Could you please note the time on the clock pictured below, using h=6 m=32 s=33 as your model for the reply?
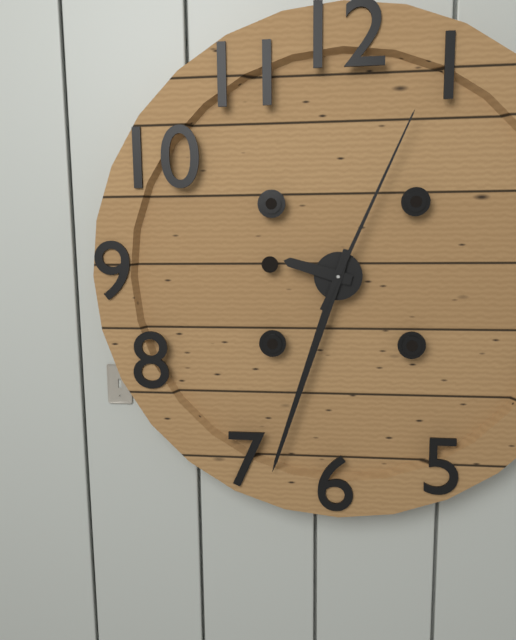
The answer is h=9 m=33 s=4
